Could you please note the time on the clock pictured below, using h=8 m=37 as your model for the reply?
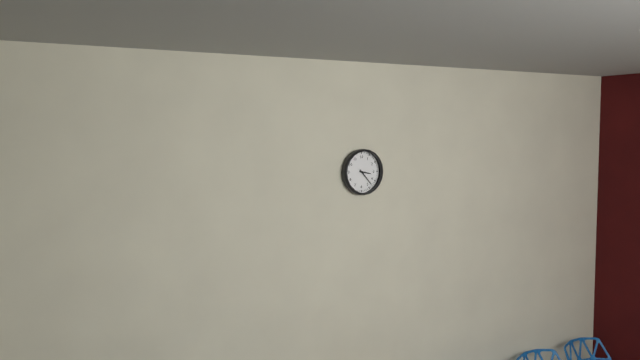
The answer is h=3 m=23
